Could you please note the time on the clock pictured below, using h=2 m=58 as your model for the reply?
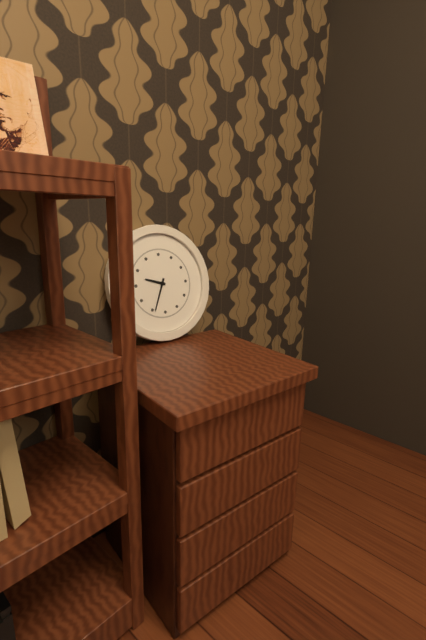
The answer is h=9 m=34
